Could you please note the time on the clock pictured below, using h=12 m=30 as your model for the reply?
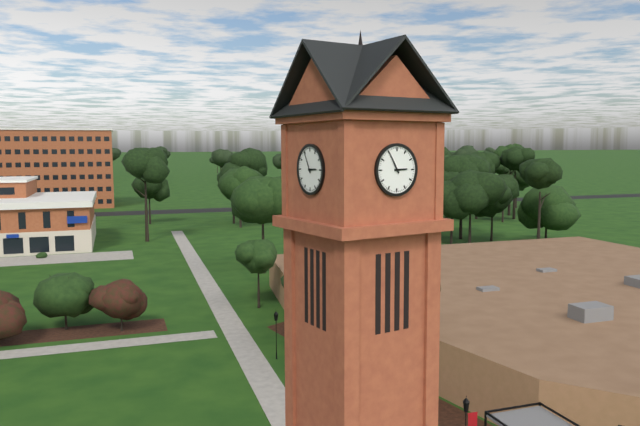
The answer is h=2 m=55
